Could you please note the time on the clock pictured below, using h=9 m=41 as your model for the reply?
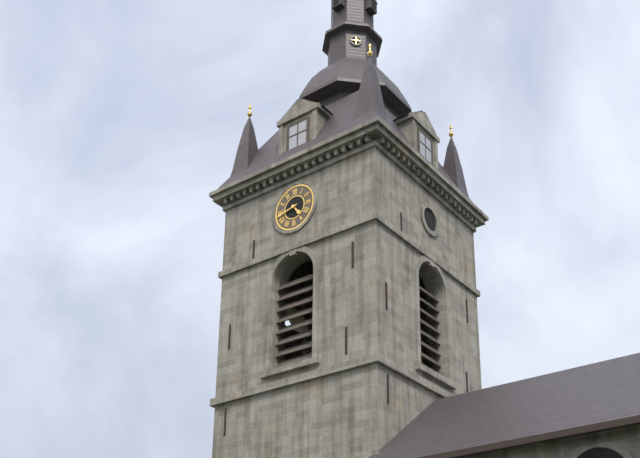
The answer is h=4 m=43
